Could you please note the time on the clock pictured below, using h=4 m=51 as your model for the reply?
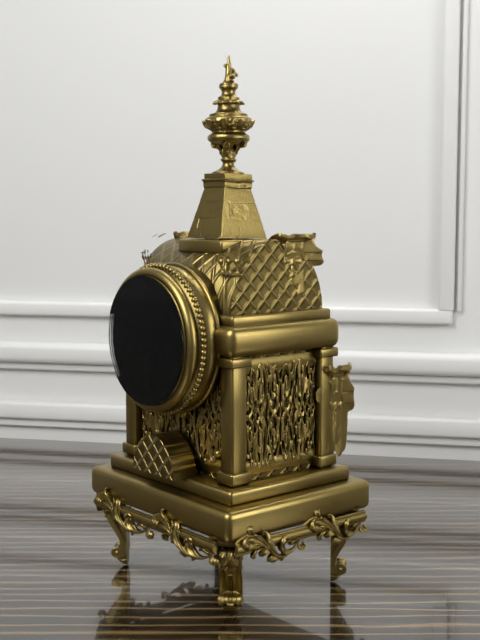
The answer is h=3 m=16
